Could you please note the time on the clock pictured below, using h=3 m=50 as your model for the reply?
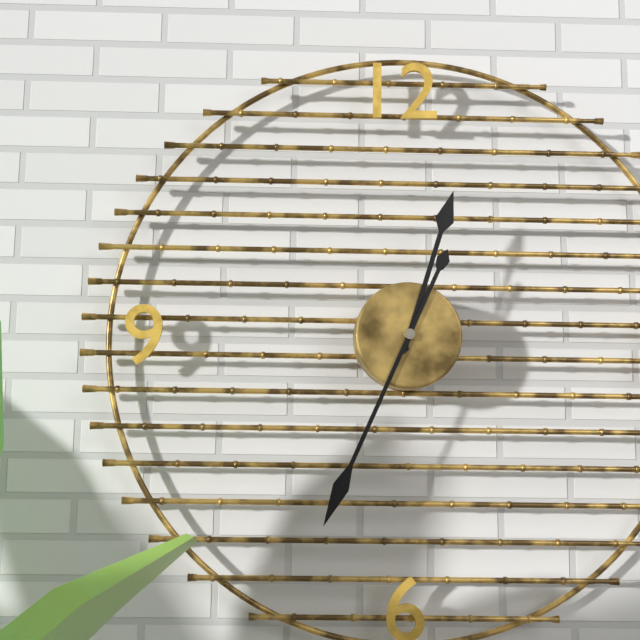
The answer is h=12 m=34
